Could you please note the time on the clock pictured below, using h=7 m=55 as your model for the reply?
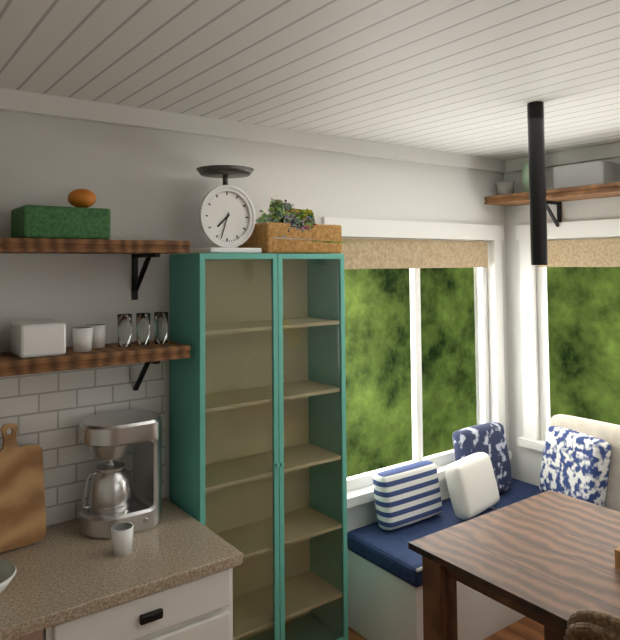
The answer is h=7 m=33
